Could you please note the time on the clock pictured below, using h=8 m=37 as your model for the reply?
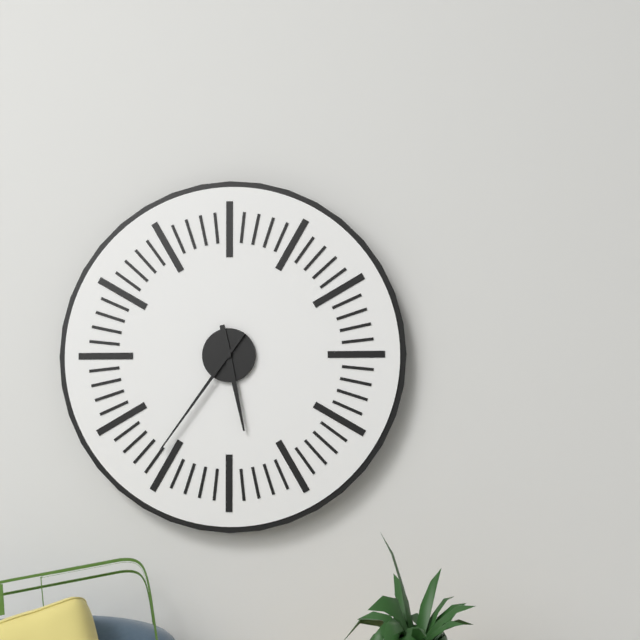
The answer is h=5 m=36
